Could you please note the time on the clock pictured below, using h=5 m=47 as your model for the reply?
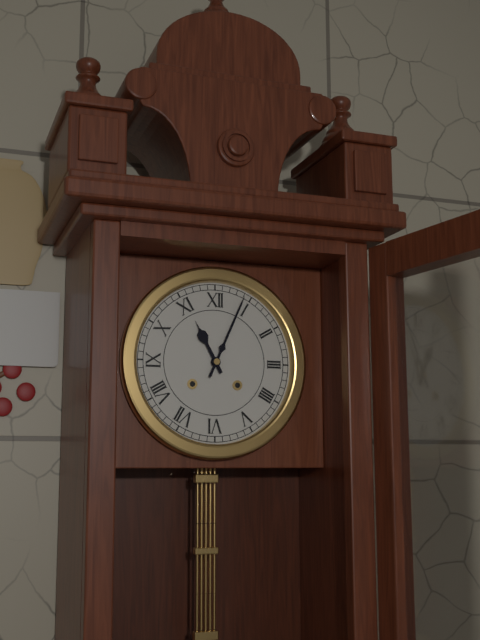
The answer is h=11 m=4
